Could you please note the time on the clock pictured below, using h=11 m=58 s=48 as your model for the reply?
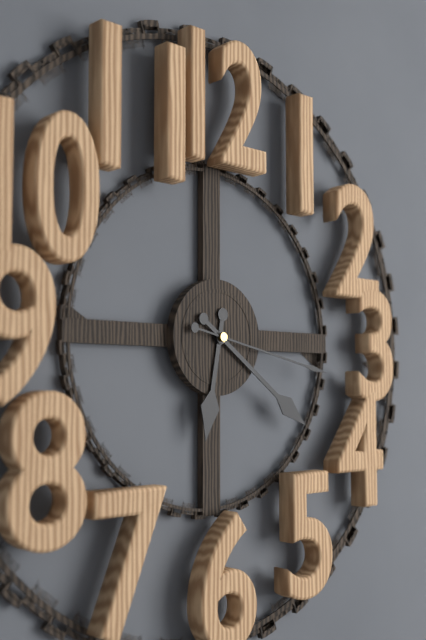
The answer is h=6 m=21 s=17
